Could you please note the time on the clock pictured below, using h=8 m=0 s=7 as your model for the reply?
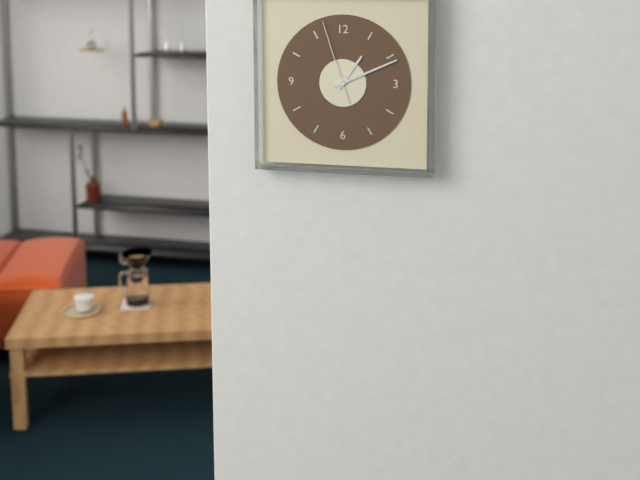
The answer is h=1 m=11 s=57
